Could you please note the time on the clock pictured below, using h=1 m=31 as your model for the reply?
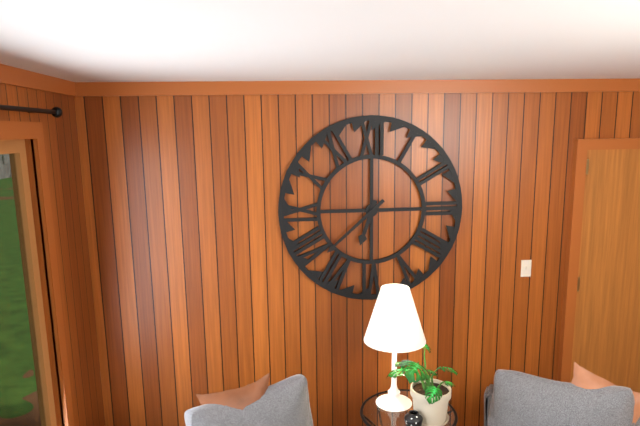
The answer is h=6 m=38
